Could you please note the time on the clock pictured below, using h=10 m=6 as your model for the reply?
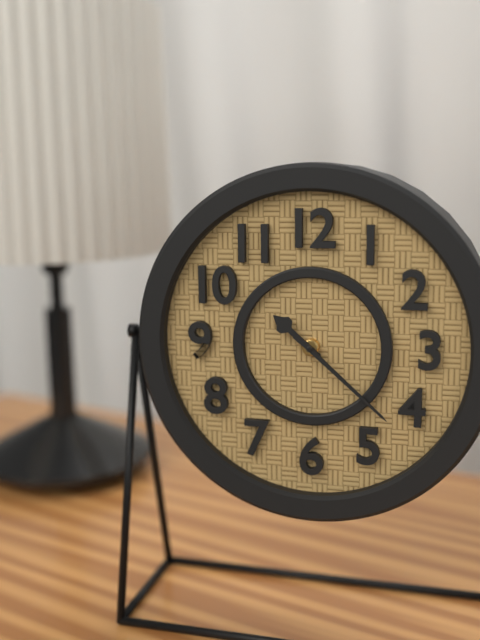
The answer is h=10 m=22
